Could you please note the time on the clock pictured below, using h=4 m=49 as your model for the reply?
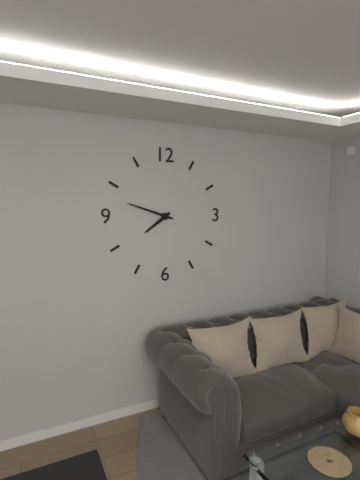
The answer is h=7 m=48
